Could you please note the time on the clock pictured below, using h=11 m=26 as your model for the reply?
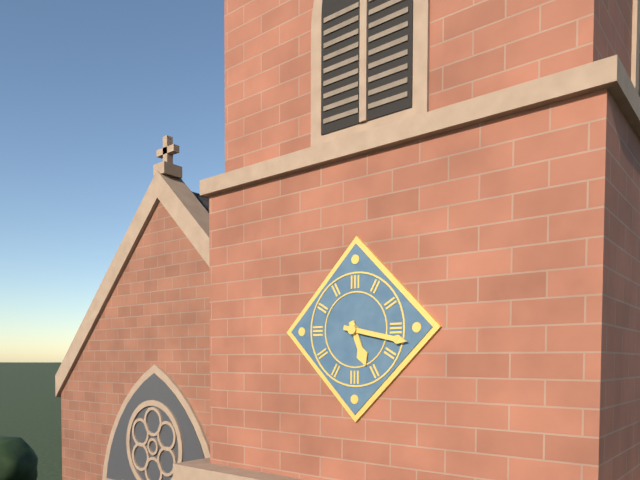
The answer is h=5 m=17
